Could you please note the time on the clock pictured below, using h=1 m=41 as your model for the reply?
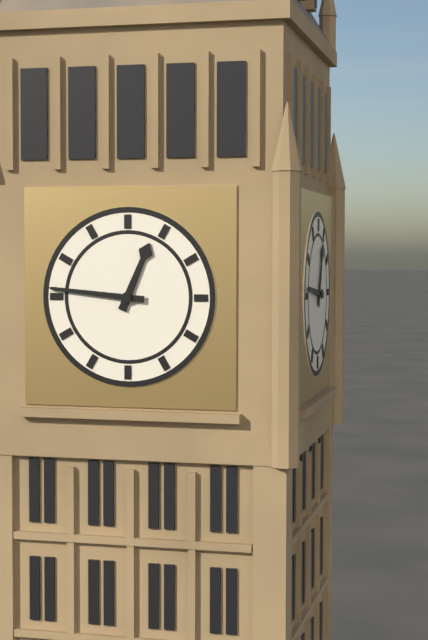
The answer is h=12 m=46
